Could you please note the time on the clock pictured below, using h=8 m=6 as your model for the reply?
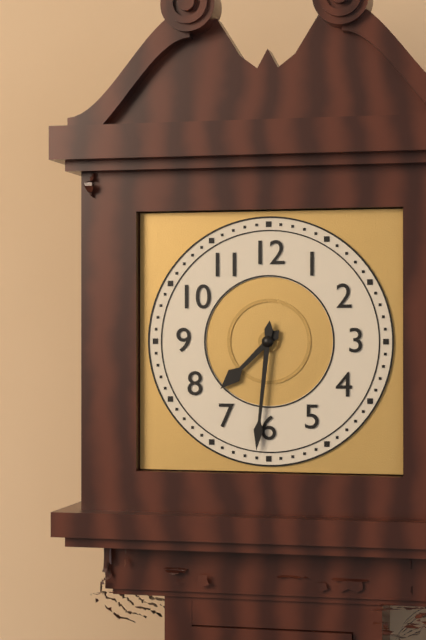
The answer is h=7 m=31
